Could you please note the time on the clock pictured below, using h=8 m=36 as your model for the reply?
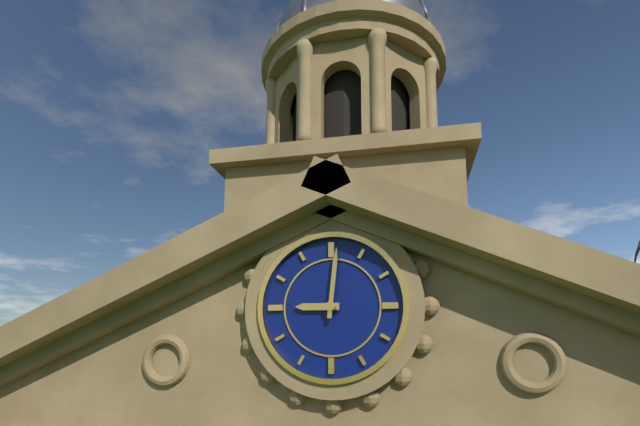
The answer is h=9 m=1
